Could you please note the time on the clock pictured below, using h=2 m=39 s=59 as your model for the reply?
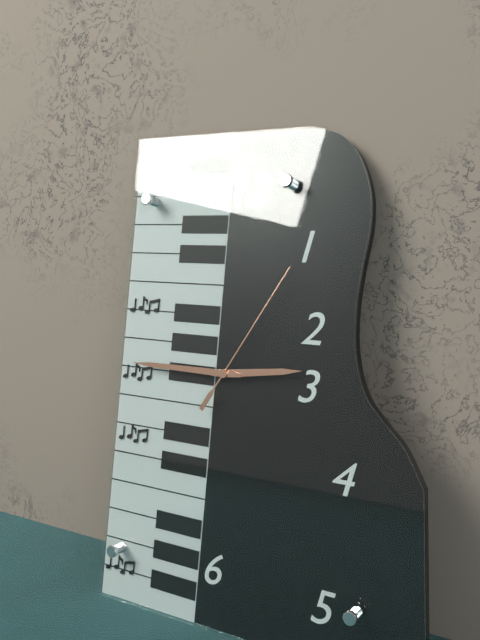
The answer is h=2 m=45 s=5
